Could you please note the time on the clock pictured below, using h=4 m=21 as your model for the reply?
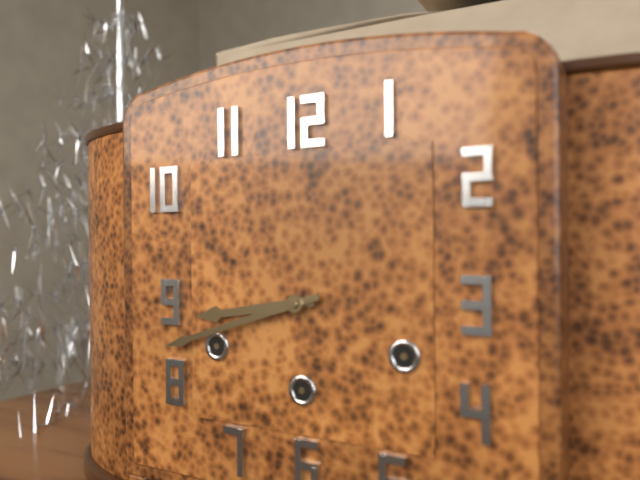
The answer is h=8 m=42
